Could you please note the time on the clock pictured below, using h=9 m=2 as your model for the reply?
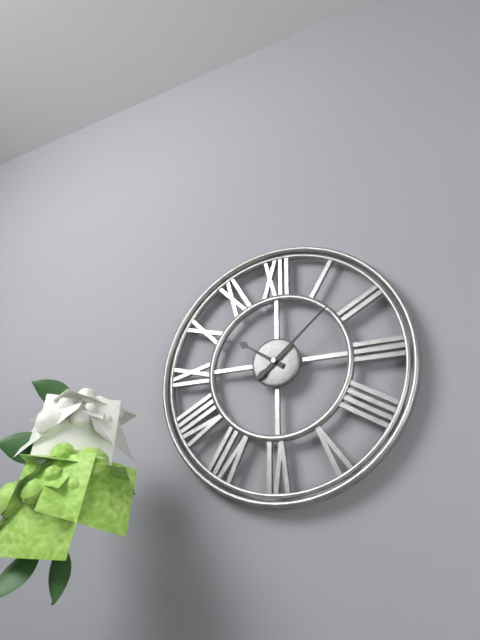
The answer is h=10 m=8
